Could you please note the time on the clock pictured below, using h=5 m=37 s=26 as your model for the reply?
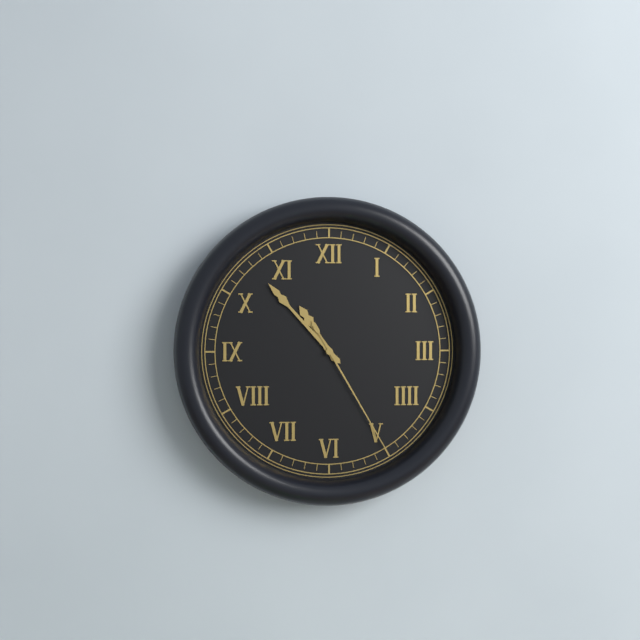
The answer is h=10 m=53 s=25
